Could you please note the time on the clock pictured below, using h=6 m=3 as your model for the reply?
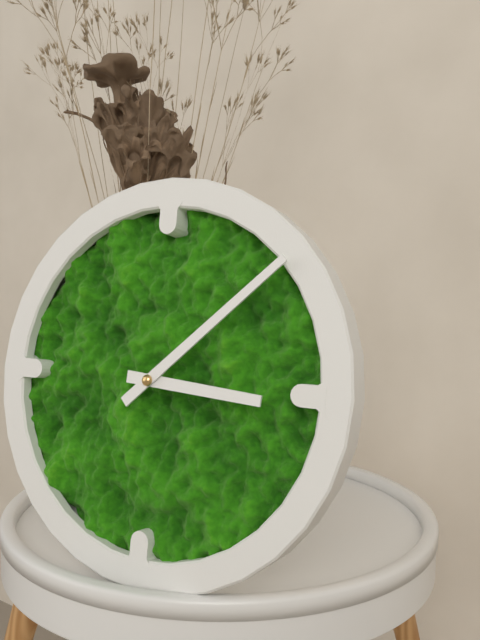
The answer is h=3 m=8
